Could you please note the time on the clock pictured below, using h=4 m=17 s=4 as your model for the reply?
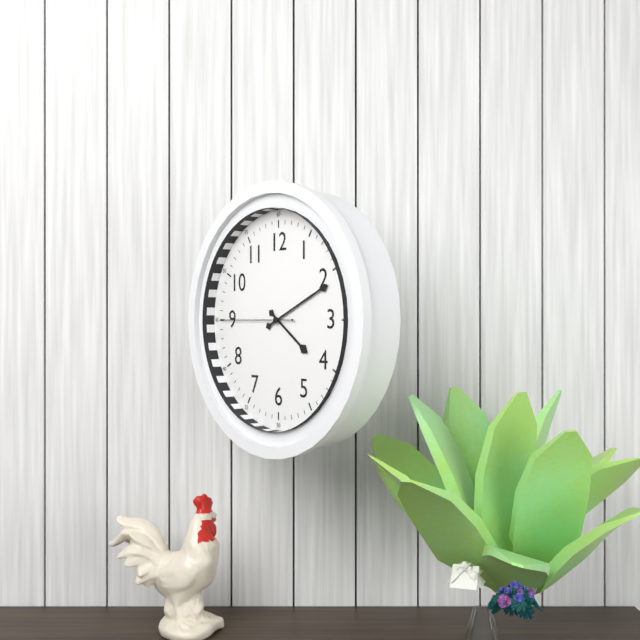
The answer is h=4 m=11 s=45
